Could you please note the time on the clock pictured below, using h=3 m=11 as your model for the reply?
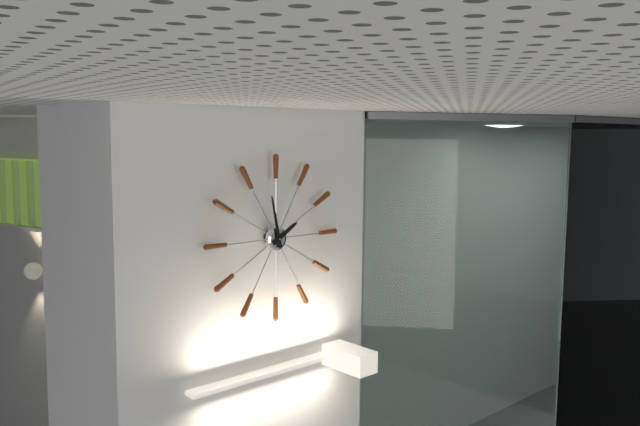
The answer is h=1 m=58
